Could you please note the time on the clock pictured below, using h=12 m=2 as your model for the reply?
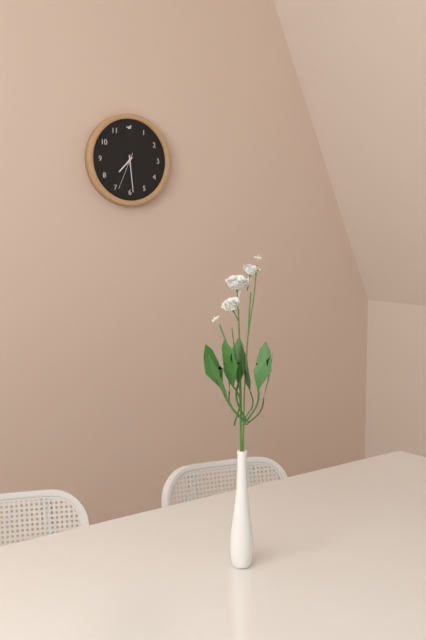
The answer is h=7 m=29
